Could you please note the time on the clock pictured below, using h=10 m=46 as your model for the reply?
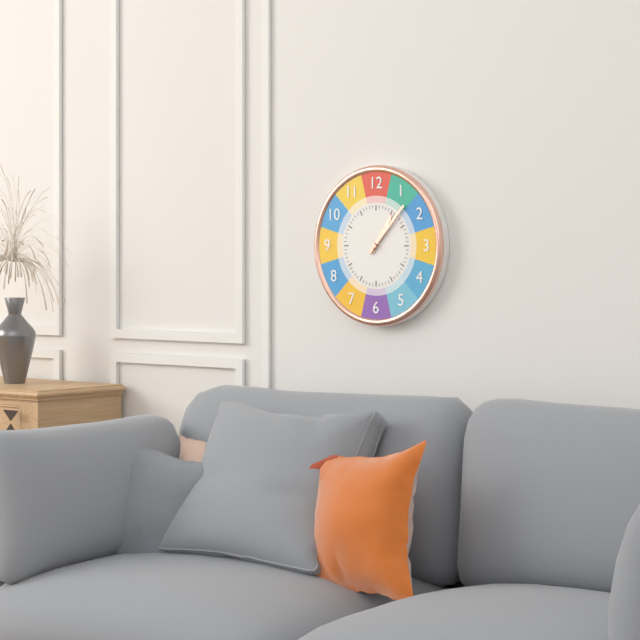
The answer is h=1 m=7
